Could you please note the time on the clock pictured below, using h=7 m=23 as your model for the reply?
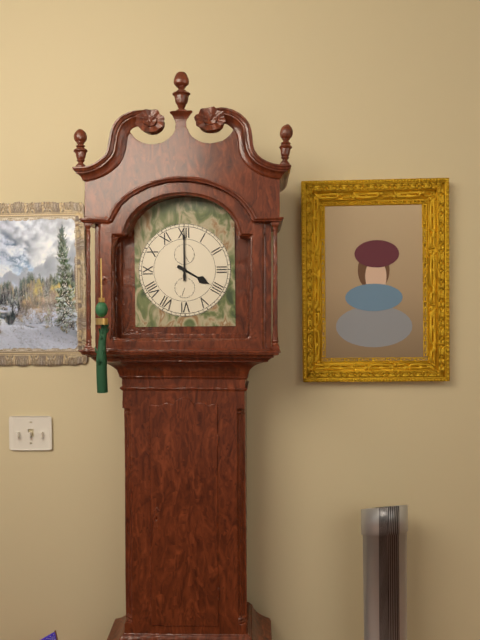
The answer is h=4 m=0
